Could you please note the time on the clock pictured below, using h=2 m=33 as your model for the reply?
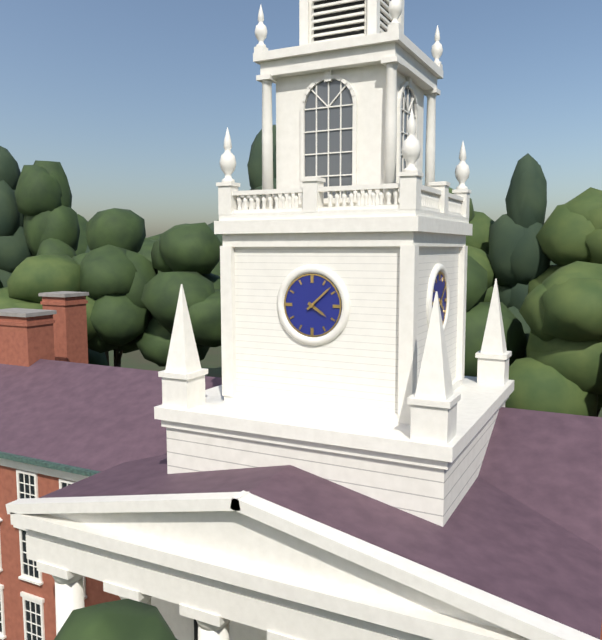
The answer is h=4 m=8
